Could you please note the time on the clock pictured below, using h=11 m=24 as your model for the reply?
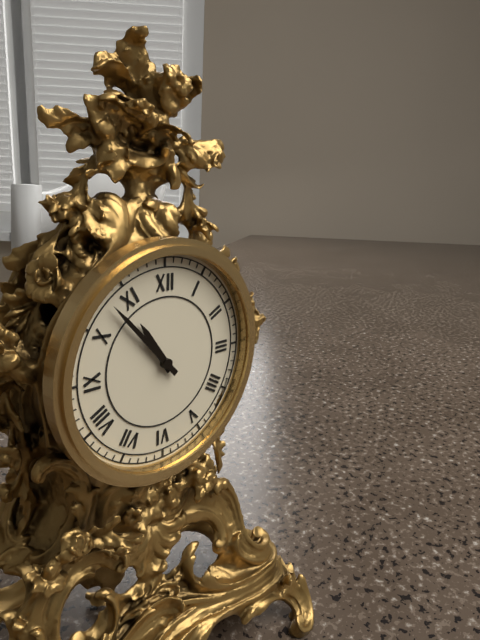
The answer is h=10 m=53
